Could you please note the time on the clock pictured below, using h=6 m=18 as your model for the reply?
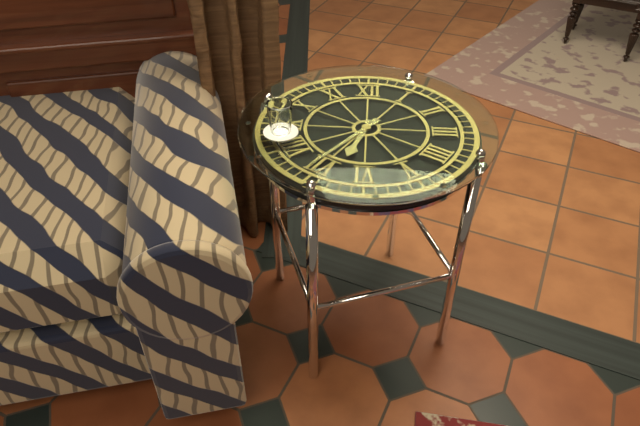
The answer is h=6 m=36
